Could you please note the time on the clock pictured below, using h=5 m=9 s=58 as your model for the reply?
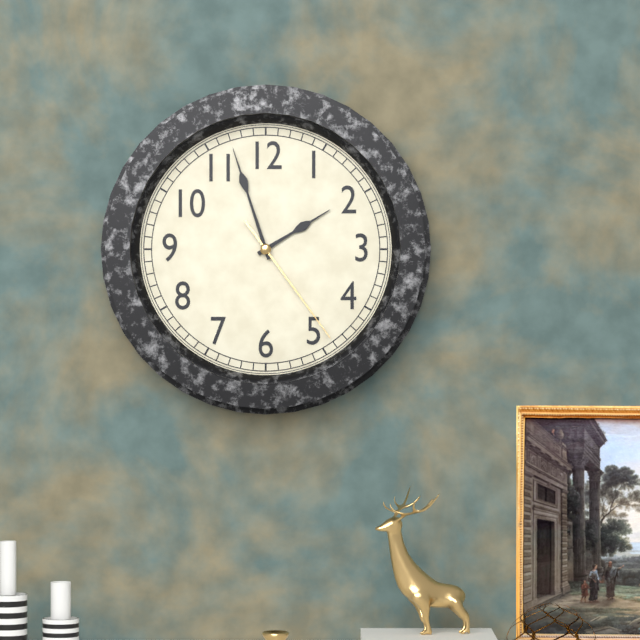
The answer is h=1 m=57 s=24
